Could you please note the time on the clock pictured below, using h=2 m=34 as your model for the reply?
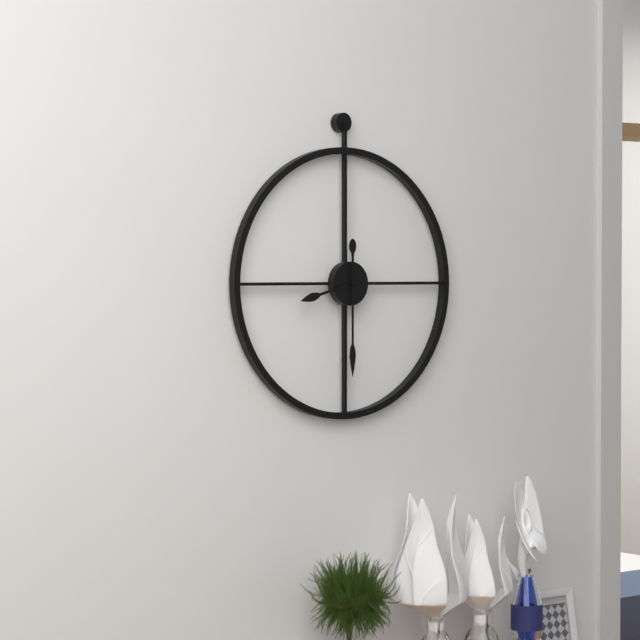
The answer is h=8 m=30
